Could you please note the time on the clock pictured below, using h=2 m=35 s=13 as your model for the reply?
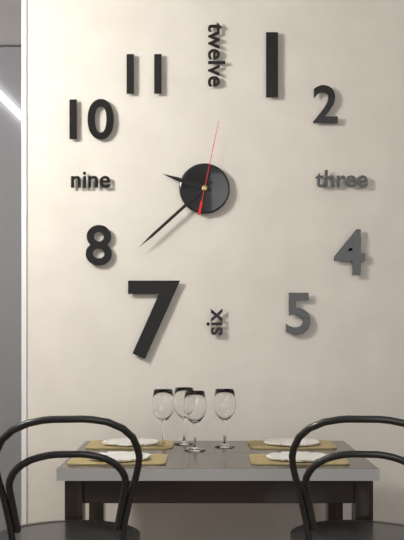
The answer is h=9 m=38 s=2
